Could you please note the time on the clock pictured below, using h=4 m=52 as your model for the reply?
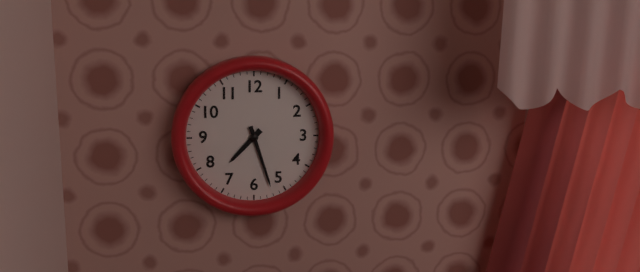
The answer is h=7 m=27
